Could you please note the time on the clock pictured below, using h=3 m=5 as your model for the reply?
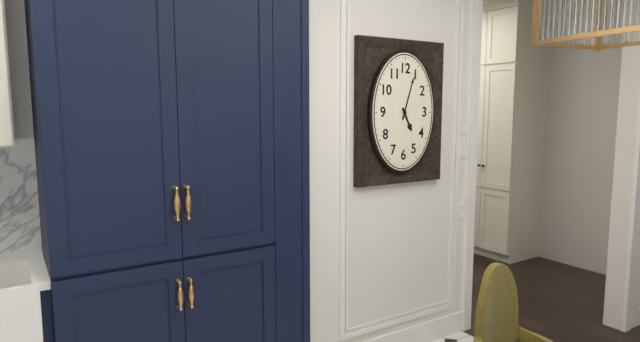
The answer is h=5 m=3
